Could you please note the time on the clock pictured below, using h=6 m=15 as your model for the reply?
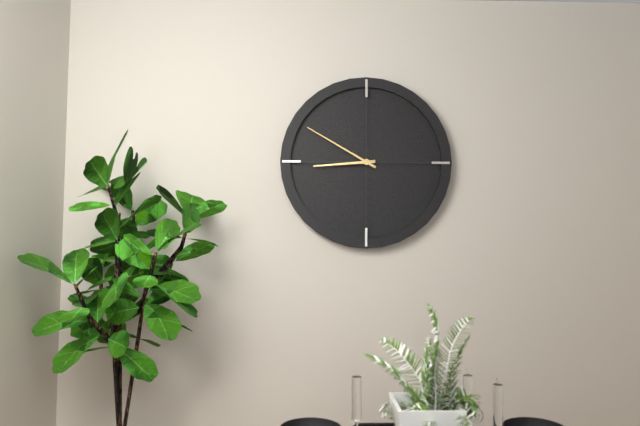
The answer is h=8 m=50
